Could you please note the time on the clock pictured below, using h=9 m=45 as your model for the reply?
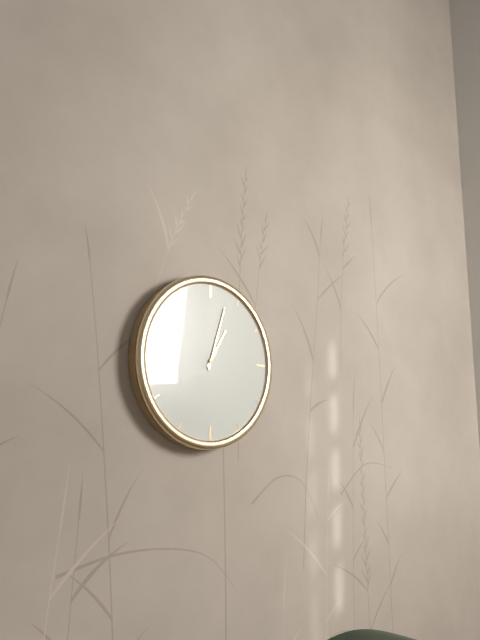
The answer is h=1 m=3
